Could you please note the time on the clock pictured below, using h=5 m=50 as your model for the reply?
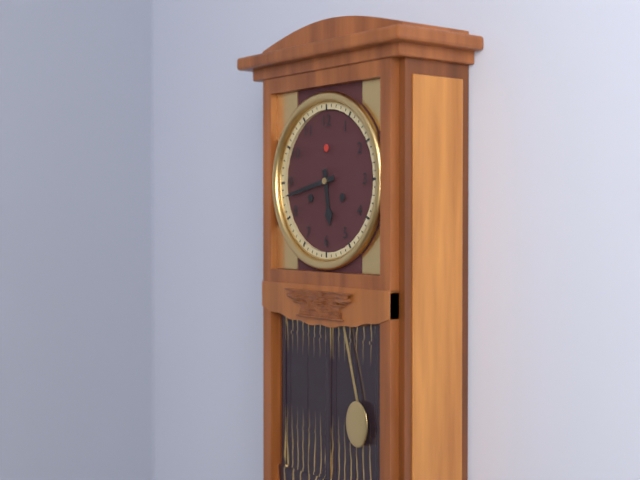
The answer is h=5 m=43
